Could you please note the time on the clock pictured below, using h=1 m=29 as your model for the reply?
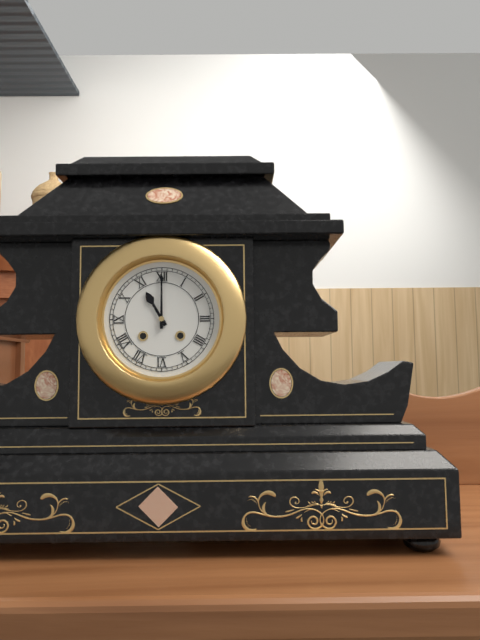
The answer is h=11 m=0
